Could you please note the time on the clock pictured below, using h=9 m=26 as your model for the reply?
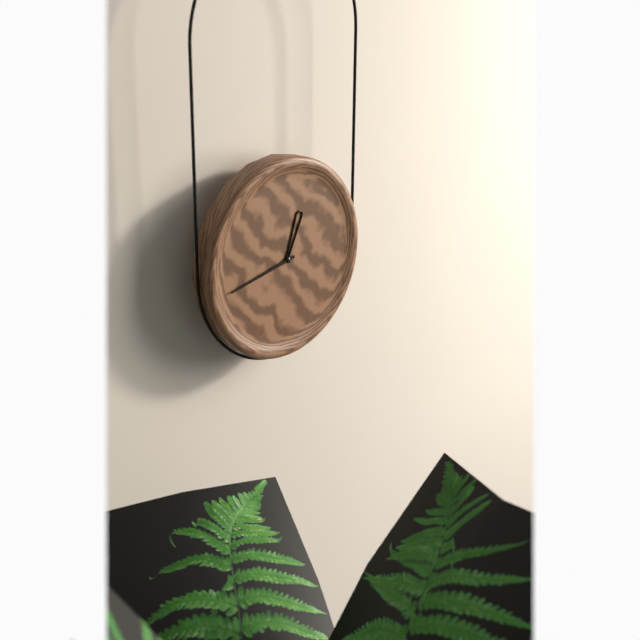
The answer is h=12 m=43
